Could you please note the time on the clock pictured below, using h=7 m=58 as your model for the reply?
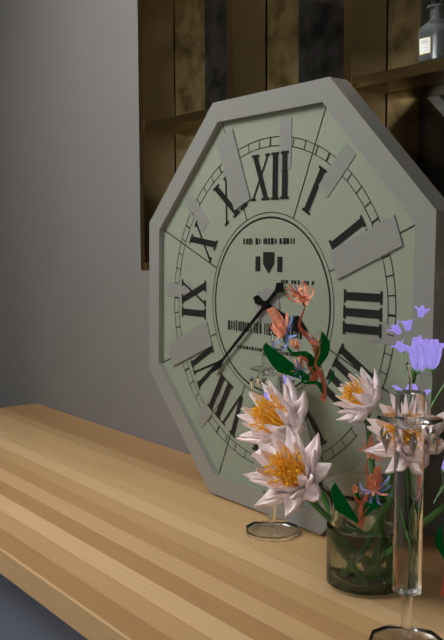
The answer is h=3 m=38
